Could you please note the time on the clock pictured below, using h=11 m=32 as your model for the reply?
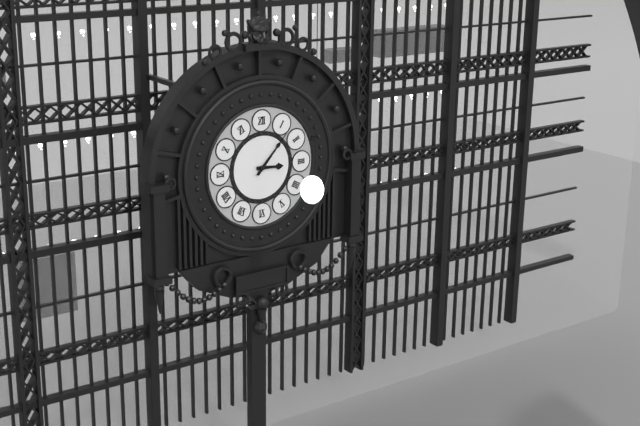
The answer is h=3 m=7
